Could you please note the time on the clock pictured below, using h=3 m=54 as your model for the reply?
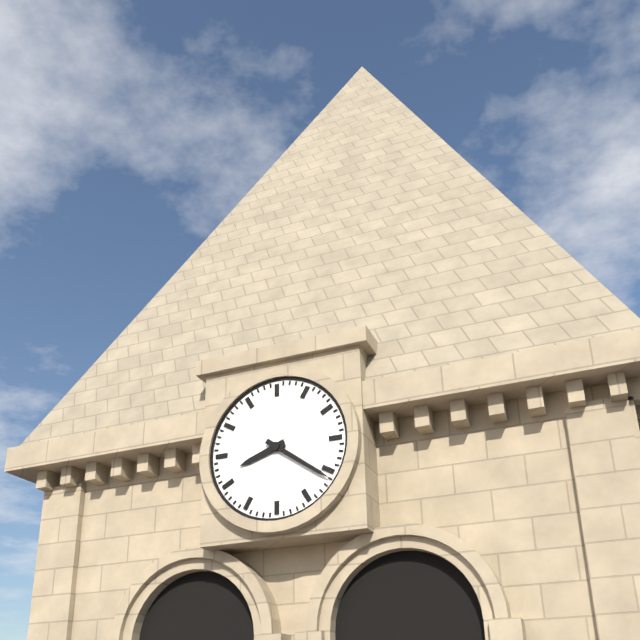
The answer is h=8 m=21
